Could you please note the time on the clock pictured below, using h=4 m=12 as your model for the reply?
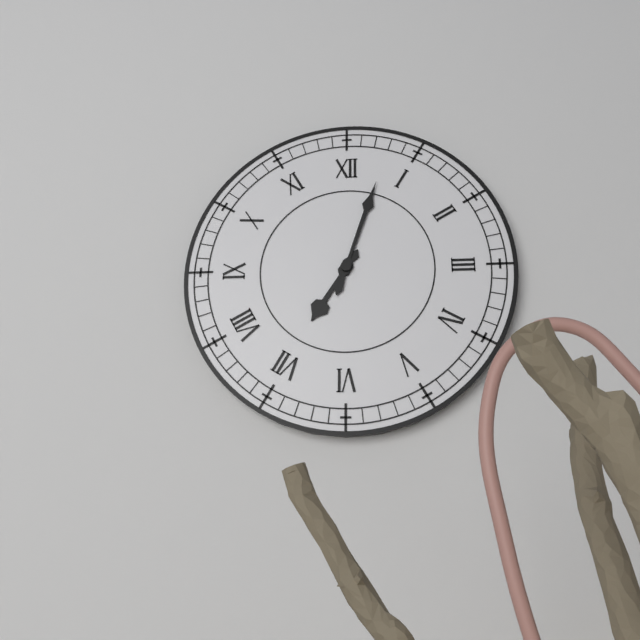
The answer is h=7 m=3
